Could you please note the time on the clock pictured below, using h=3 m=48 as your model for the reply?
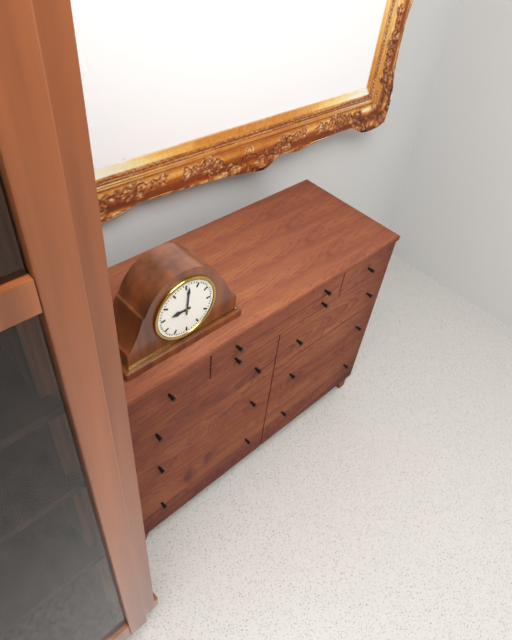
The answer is h=9 m=1
